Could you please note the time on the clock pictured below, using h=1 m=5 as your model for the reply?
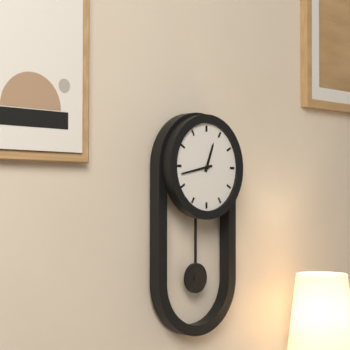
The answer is h=12 m=43
